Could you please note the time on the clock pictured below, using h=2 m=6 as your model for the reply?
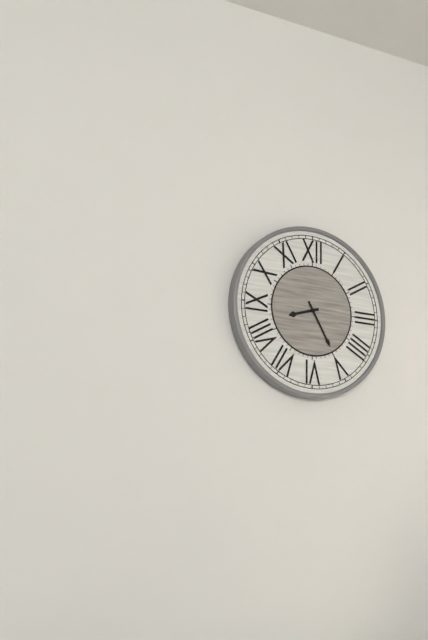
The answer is h=8 m=25
